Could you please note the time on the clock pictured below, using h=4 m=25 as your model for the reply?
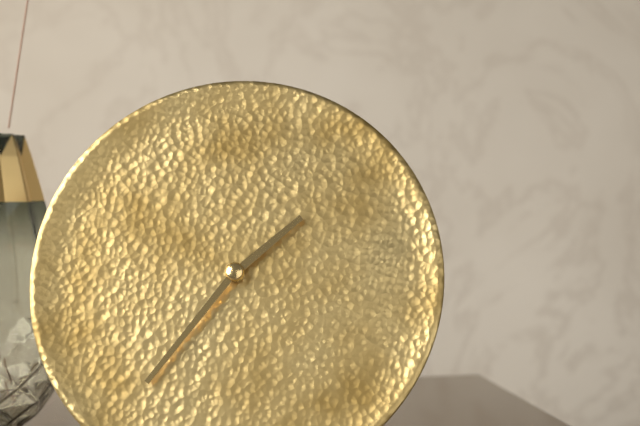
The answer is h=1 m=36
